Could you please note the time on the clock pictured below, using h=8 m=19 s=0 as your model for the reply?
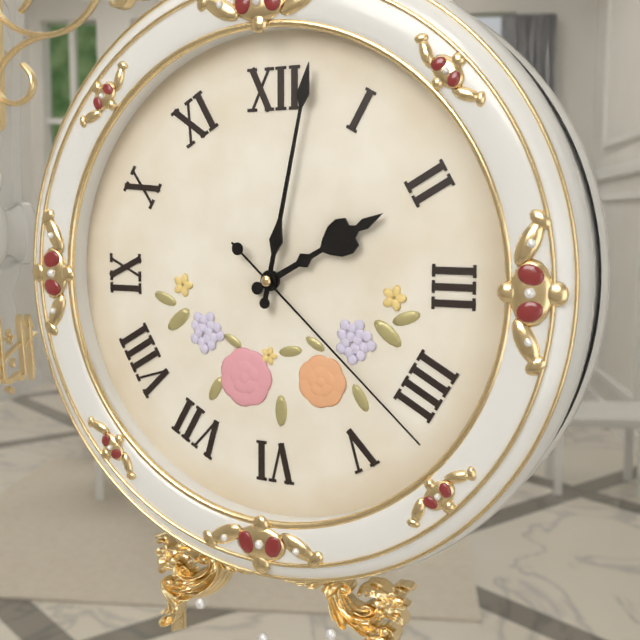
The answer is h=2 m=2 s=22
